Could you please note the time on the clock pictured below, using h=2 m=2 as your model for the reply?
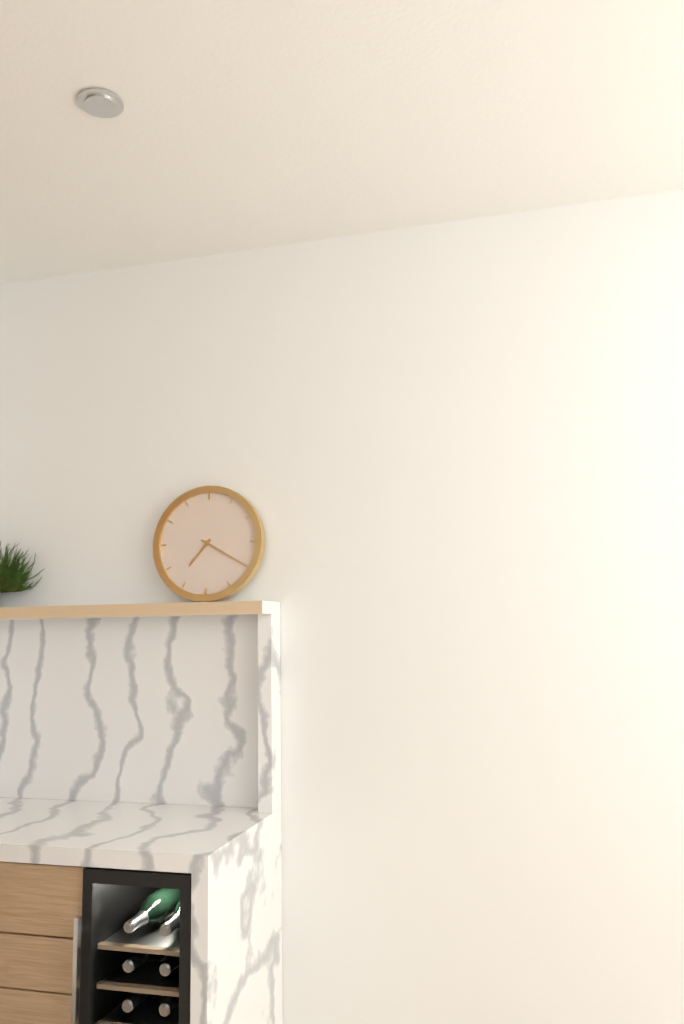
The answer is h=7 m=20
